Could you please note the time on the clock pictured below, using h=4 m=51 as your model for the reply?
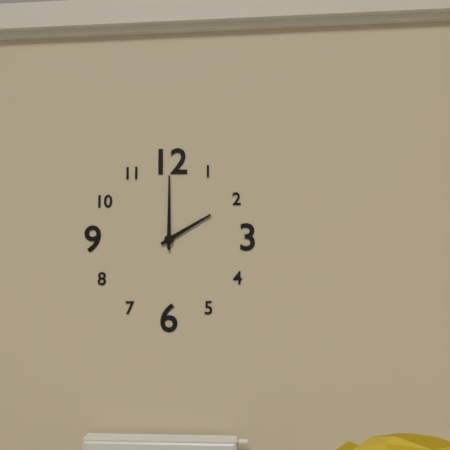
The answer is h=2 m=0
